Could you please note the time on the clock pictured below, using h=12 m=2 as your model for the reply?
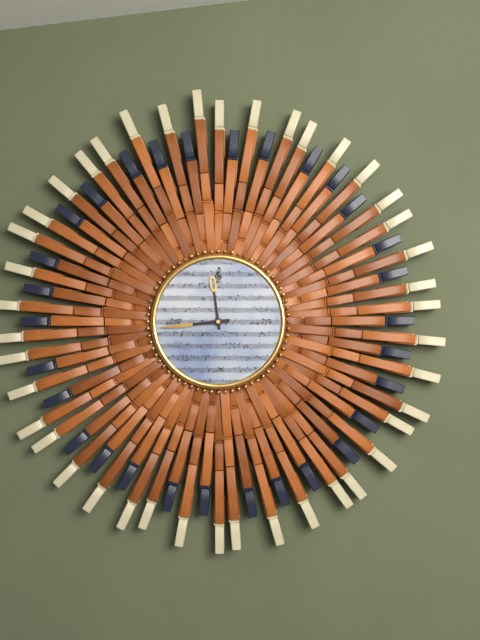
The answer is h=11 m=44
